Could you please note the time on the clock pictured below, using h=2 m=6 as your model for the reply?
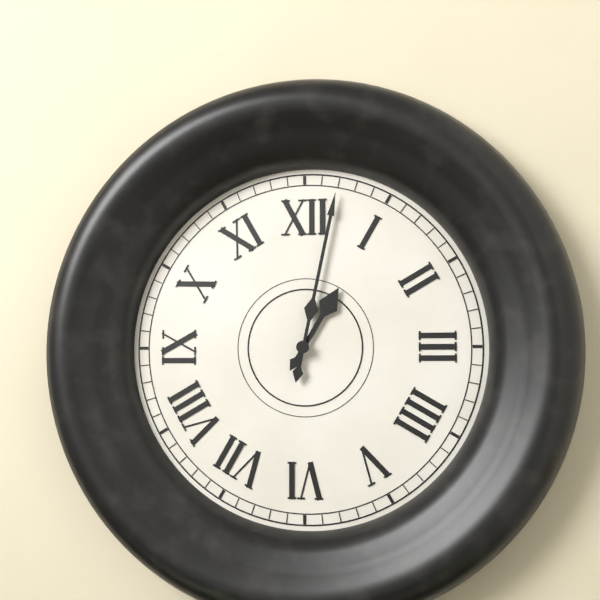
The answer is h=1 m=2
